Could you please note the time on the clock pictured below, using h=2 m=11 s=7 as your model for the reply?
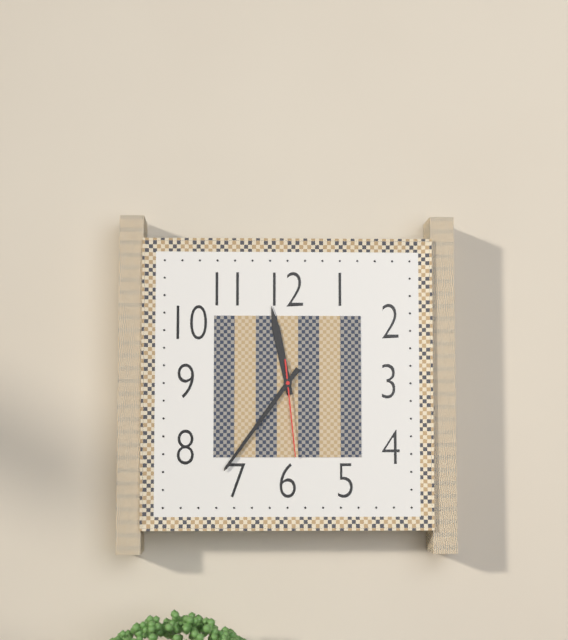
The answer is h=11 m=36 s=29
